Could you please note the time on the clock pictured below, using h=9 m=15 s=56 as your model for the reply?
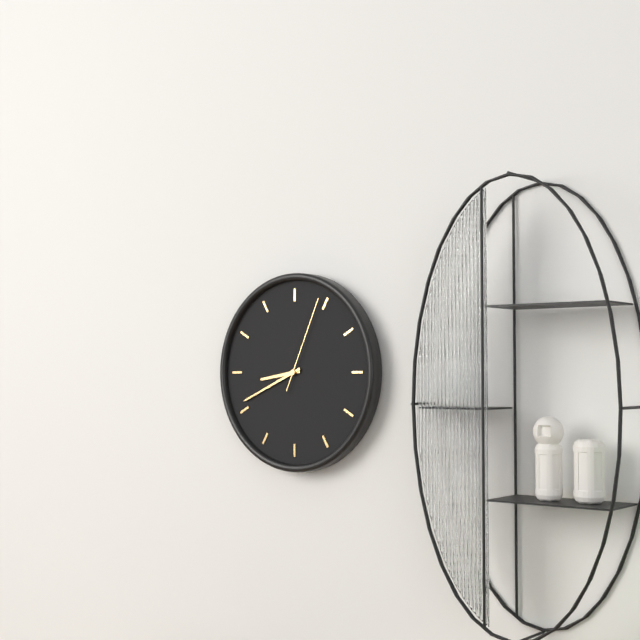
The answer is h=8 m=41 s=4
